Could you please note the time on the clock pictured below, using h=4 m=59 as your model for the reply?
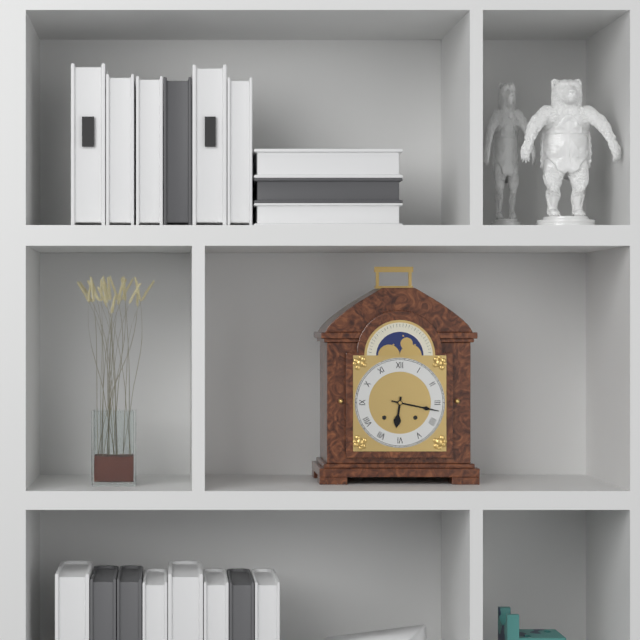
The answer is h=6 m=17
